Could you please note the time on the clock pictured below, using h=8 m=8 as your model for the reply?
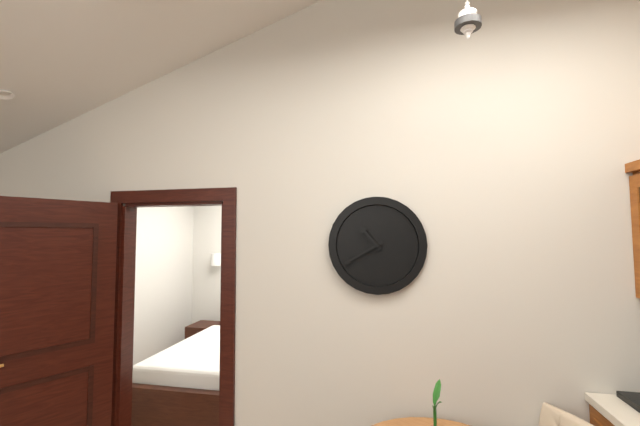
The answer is h=10 m=40
